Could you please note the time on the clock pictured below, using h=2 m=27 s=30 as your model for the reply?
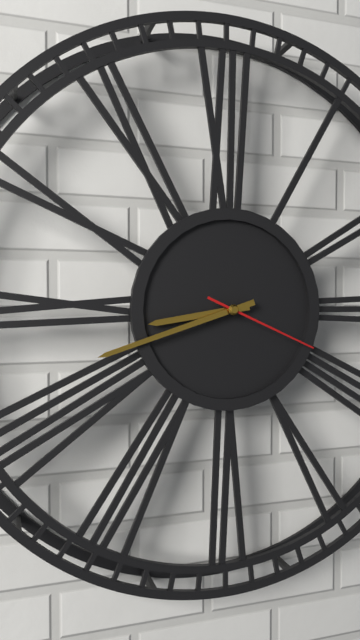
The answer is h=8 m=42 s=19
